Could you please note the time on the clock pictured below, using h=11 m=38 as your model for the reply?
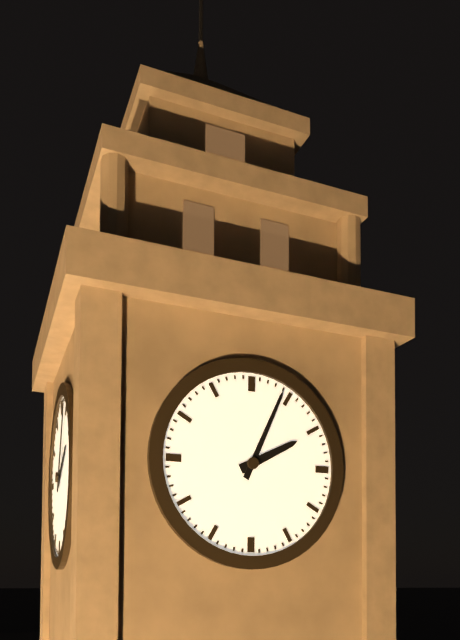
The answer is h=2 m=4
